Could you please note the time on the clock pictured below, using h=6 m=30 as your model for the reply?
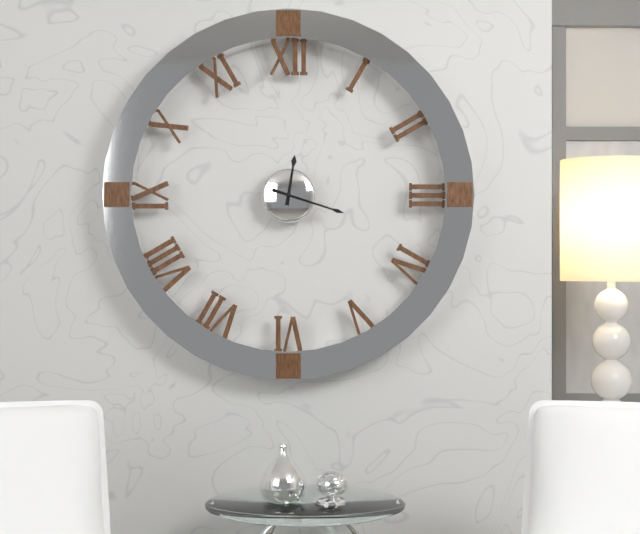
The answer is h=12 m=18
